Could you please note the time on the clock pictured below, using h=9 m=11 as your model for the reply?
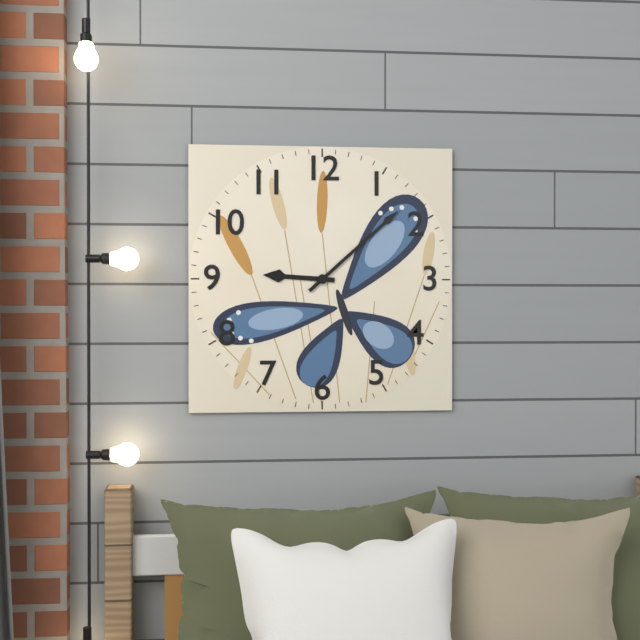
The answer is h=9 m=8
